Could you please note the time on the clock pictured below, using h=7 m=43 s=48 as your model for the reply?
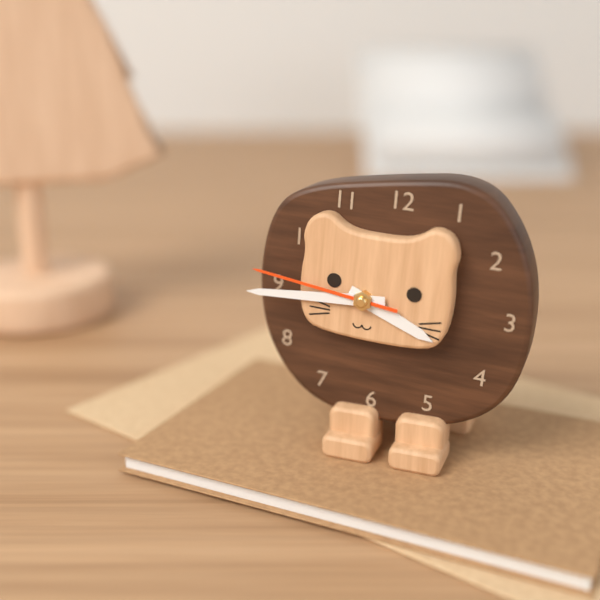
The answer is h=3 m=44 s=46
